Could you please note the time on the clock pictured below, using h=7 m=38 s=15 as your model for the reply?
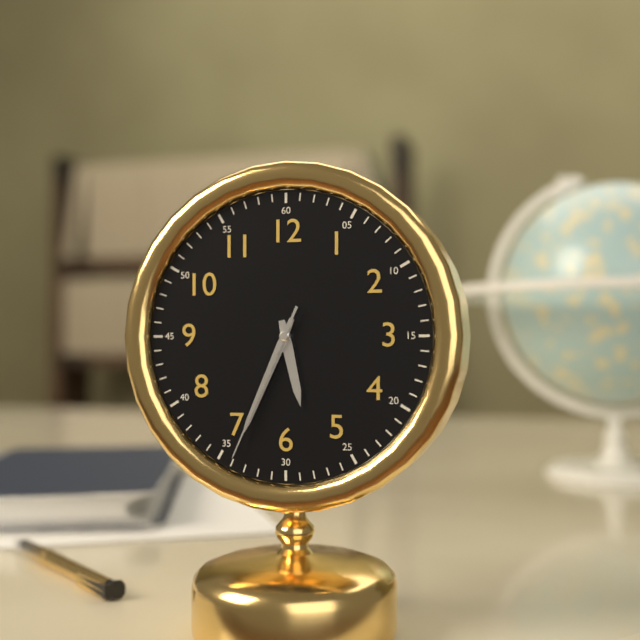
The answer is h=5 m=34 s=34
